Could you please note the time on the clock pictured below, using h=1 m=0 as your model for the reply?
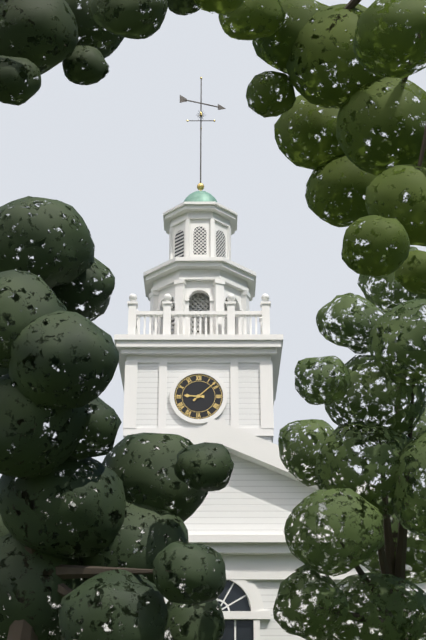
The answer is h=9 m=8
